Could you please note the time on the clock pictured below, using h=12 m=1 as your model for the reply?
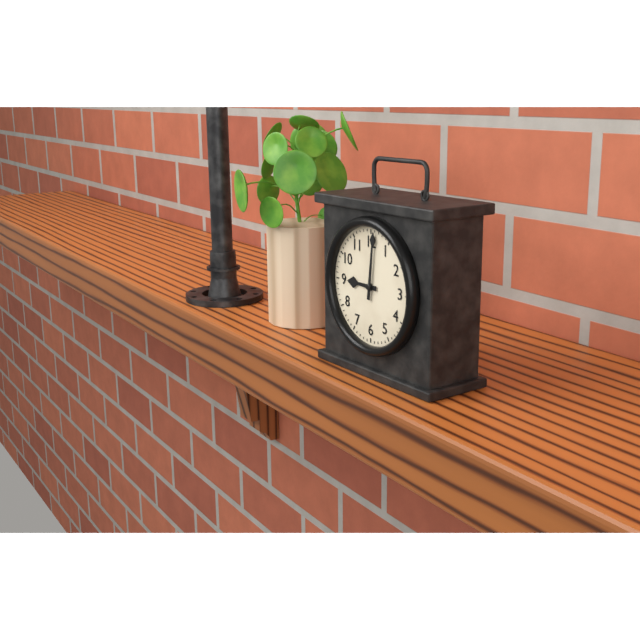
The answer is h=9 m=1
